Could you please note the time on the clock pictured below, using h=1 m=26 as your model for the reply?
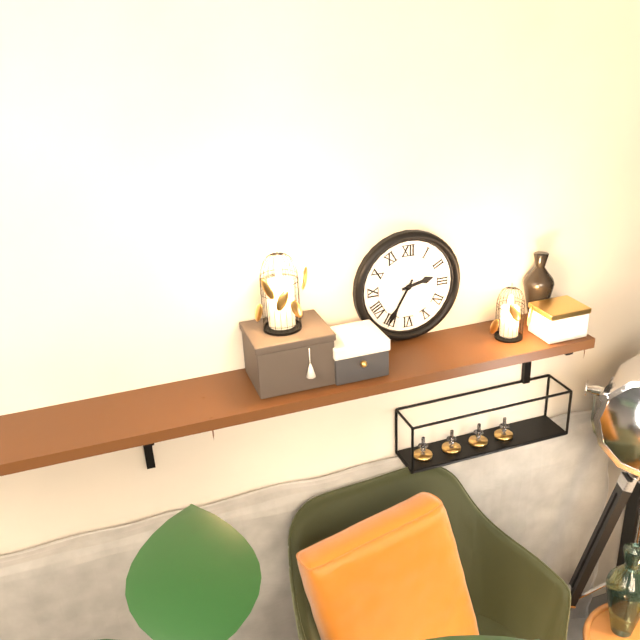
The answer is h=2 m=35
